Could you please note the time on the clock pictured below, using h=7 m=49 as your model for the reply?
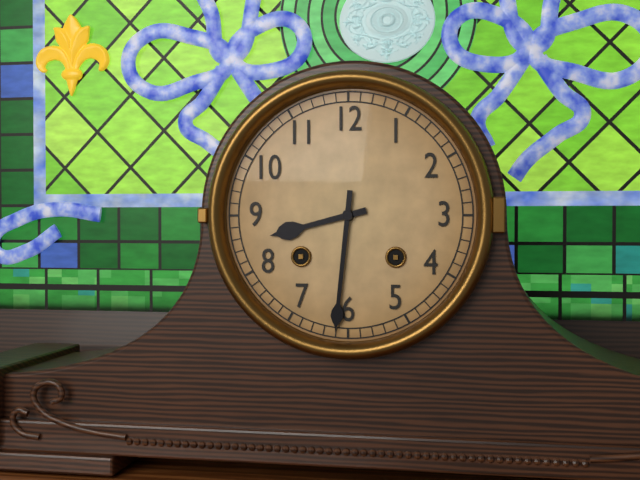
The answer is h=8 m=31
